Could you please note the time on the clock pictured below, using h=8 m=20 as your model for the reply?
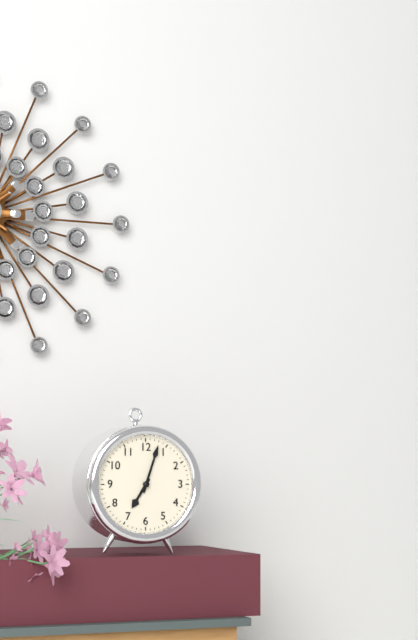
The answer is h=7 m=3
